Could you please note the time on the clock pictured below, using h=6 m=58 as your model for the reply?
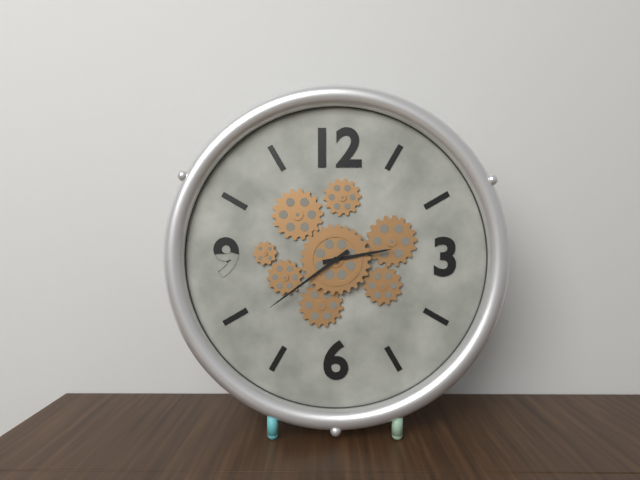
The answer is h=2 m=39
